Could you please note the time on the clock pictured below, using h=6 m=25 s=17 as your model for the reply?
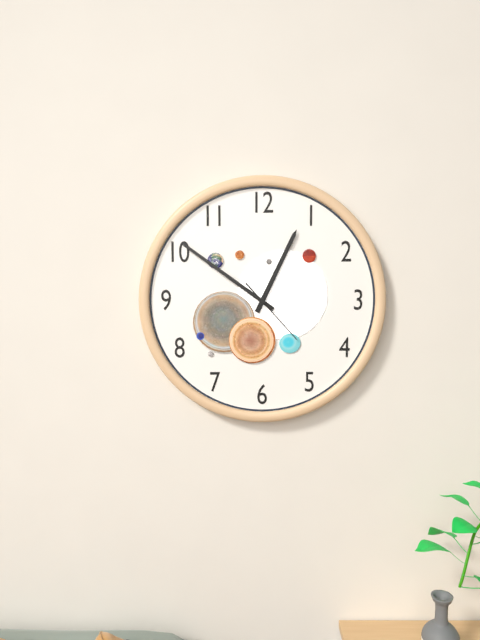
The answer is h=12 m=51 s=23
